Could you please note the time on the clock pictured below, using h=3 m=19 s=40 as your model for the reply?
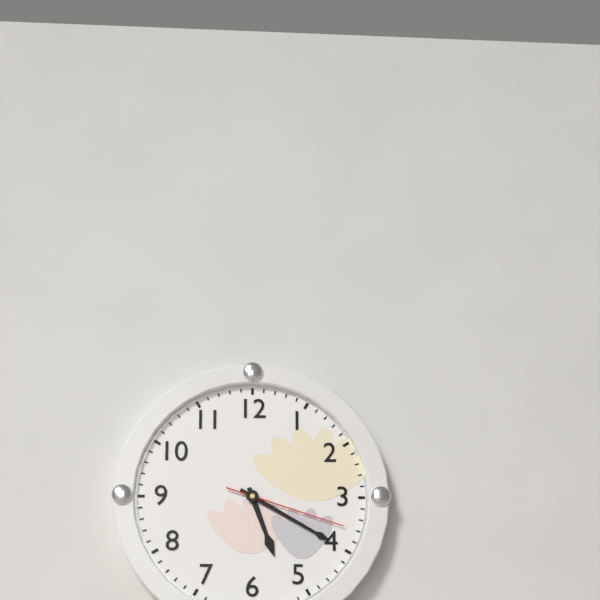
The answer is h=5 m=20 s=18
